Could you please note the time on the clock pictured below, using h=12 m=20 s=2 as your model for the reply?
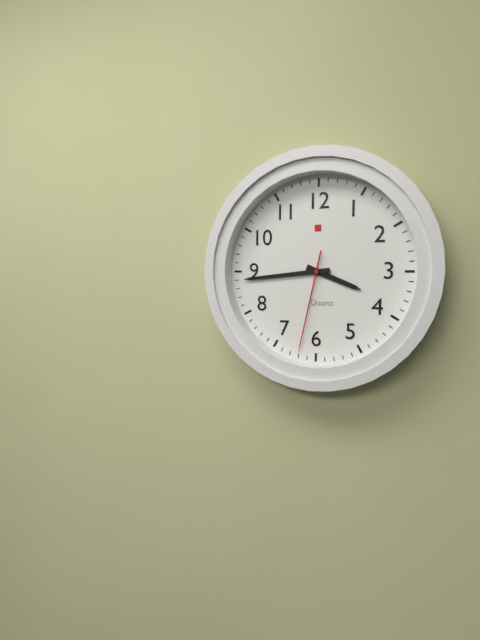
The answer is h=3 m=44 s=32
